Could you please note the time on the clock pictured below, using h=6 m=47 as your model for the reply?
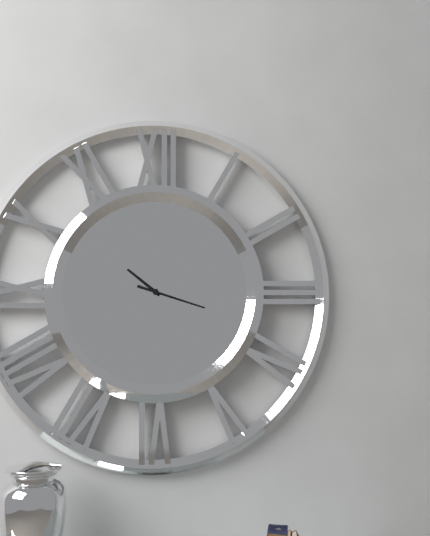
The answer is h=10 m=18
